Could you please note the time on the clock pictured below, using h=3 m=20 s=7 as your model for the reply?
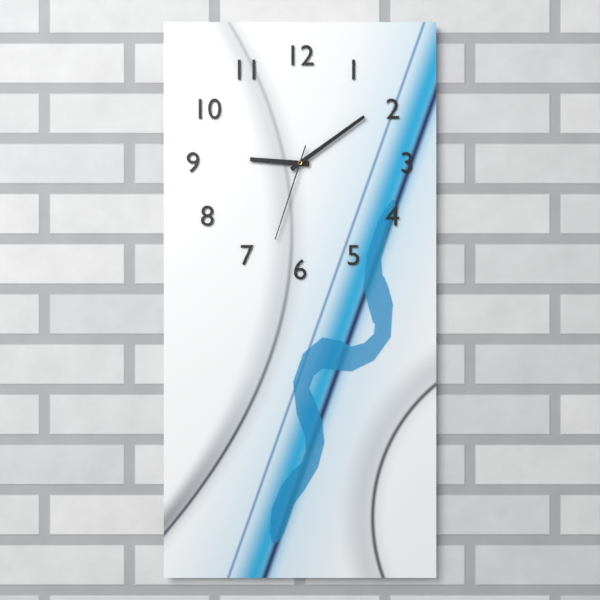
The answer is h=9 m=9 s=33
